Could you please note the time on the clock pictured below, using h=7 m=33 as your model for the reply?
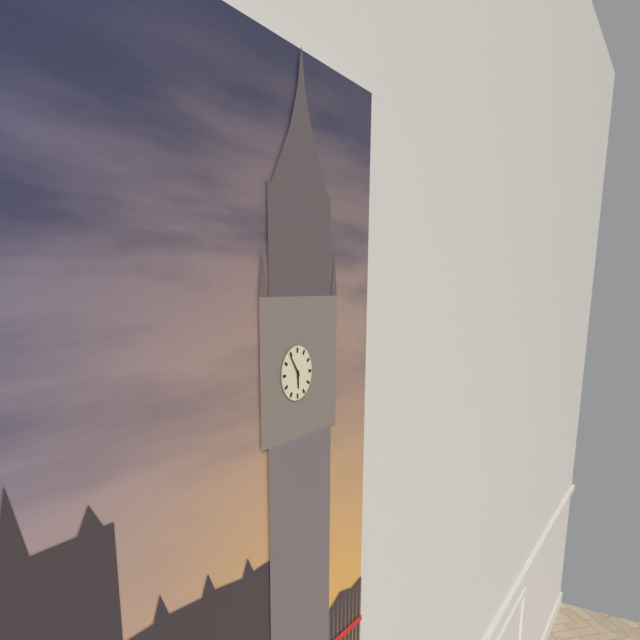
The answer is h=5 m=54
